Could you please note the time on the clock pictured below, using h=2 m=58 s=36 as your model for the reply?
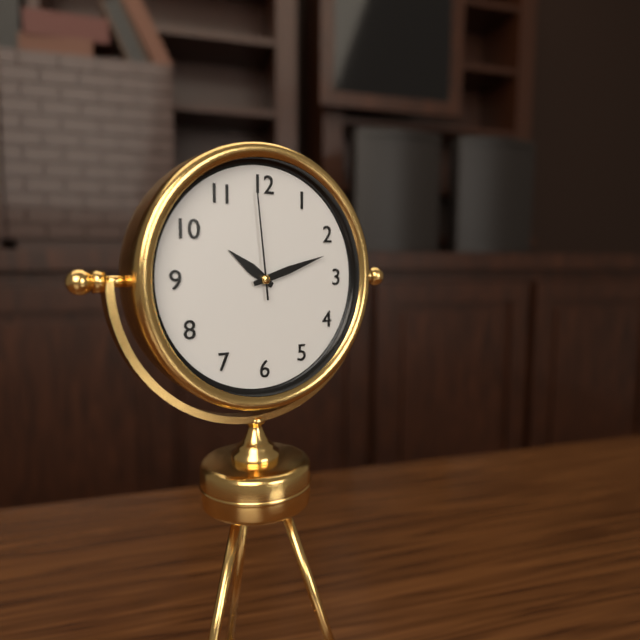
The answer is h=10 m=12 s=59
